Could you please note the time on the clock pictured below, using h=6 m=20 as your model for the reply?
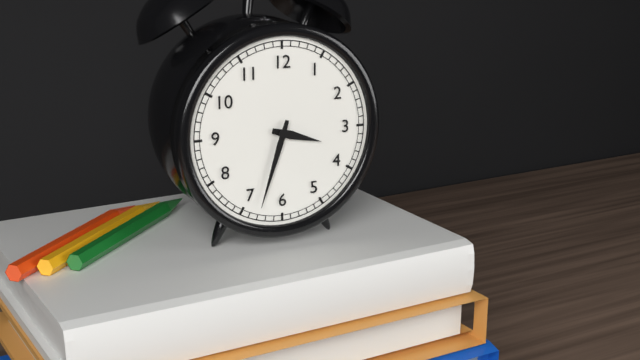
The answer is h=3 m=33
